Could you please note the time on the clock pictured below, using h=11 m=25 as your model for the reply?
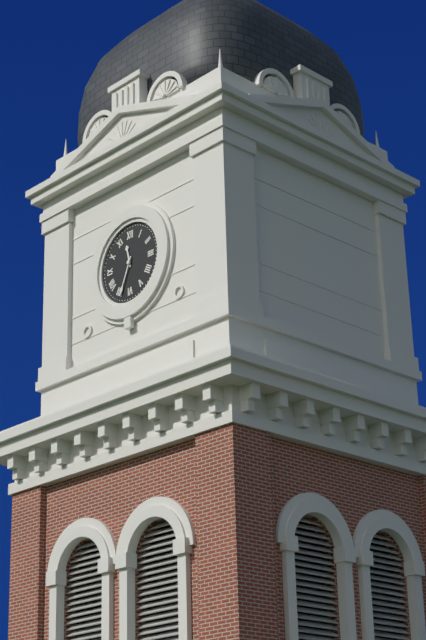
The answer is h=11 m=34
